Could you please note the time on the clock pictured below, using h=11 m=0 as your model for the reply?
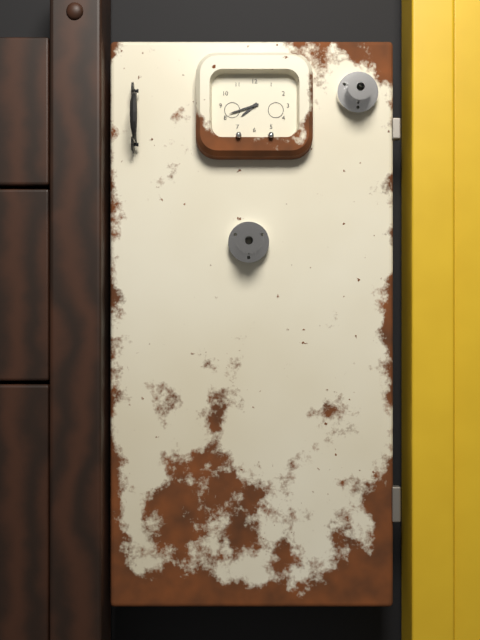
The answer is h=7 m=42
